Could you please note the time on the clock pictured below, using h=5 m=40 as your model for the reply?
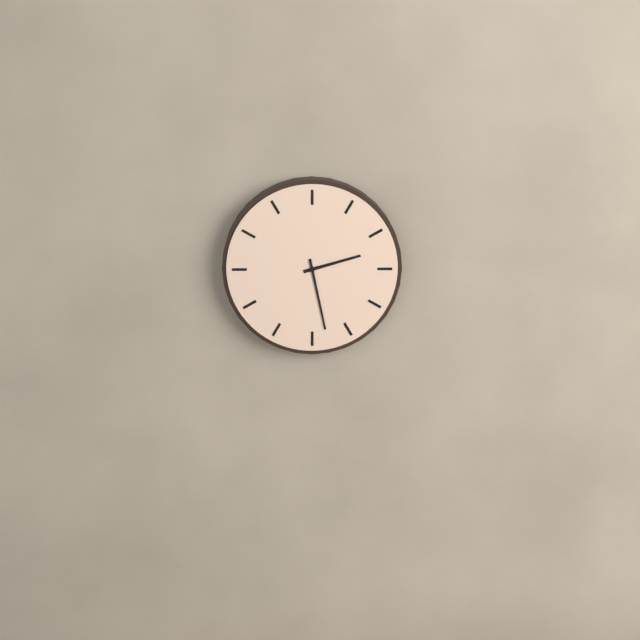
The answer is h=2 m=28
